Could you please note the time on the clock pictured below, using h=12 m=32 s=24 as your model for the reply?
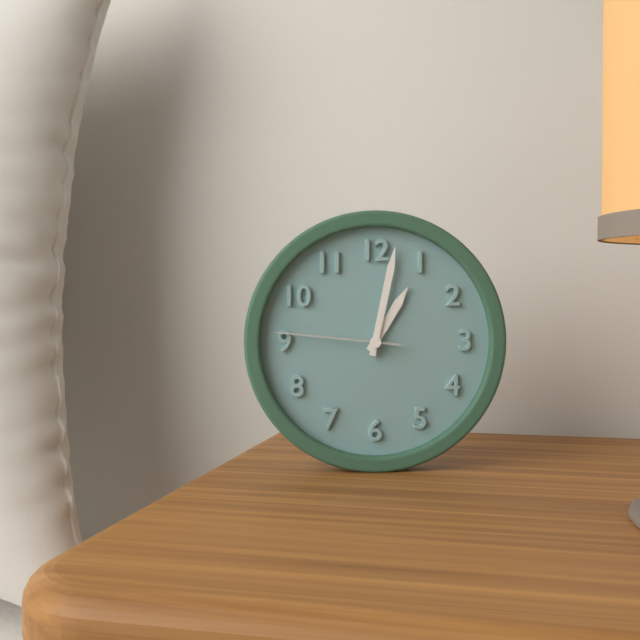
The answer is h=1 m=2 s=46
